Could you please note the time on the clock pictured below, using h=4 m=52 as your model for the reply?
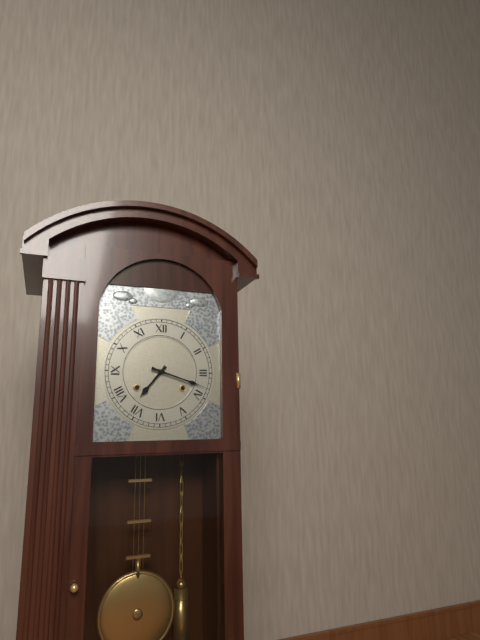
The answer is h=7 m=18
